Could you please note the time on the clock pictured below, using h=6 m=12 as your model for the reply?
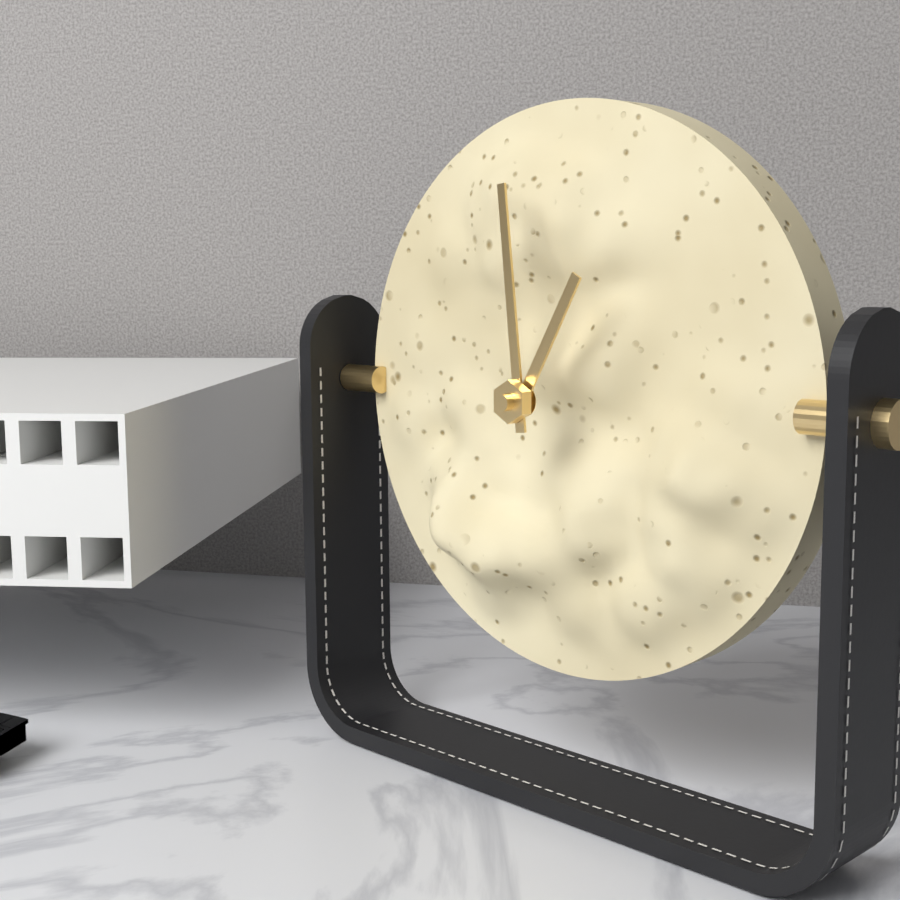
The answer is h=12 m=59
